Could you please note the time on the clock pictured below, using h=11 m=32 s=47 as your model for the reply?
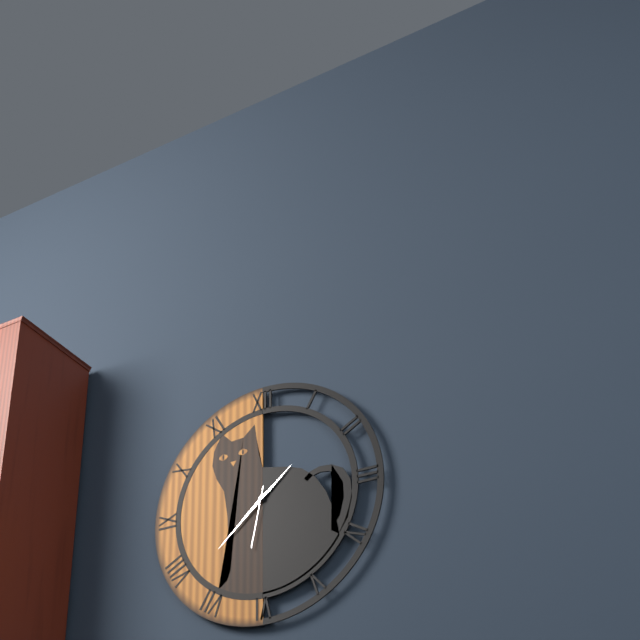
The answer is h=1 m=38 s=32
